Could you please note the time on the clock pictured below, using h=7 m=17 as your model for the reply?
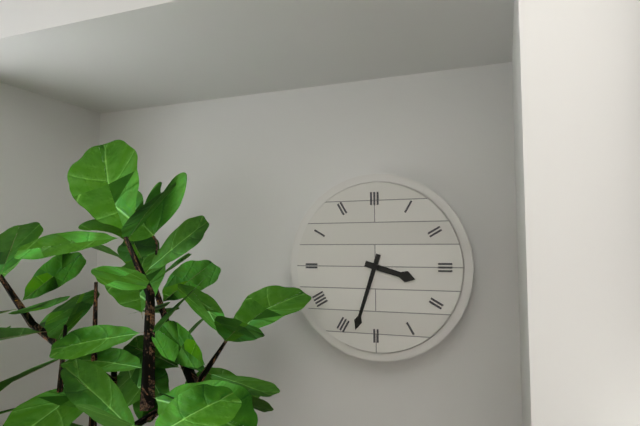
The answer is h=3 m=33
